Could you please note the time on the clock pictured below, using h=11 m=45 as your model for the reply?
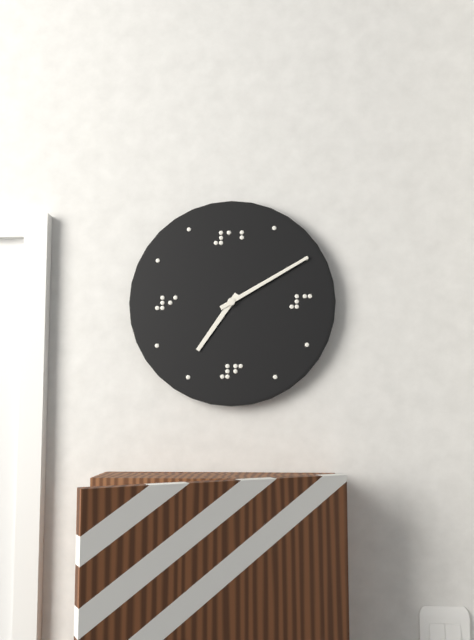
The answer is h=7 m=10
